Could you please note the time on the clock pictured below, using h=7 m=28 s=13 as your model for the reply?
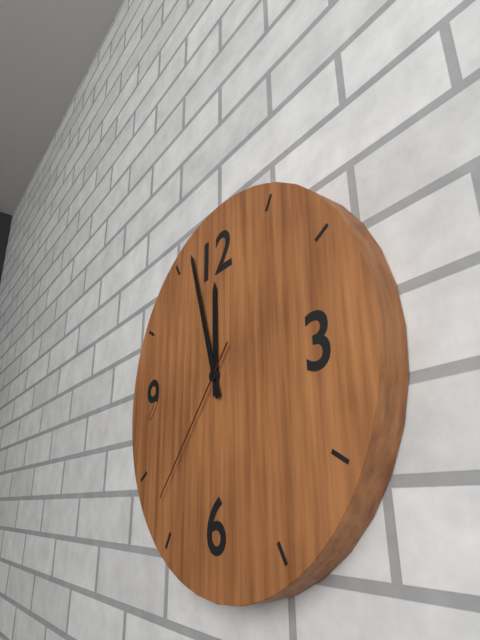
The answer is h=11 m=57 s=37
